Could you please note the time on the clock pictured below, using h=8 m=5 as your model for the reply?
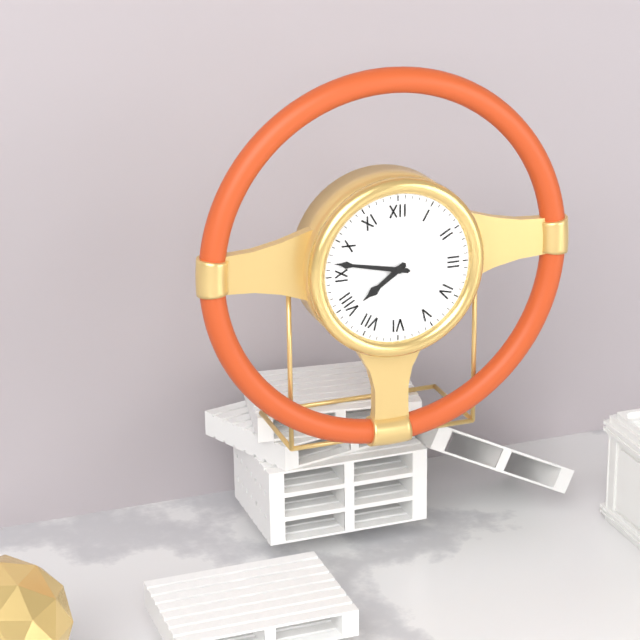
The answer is h=7 m=47
